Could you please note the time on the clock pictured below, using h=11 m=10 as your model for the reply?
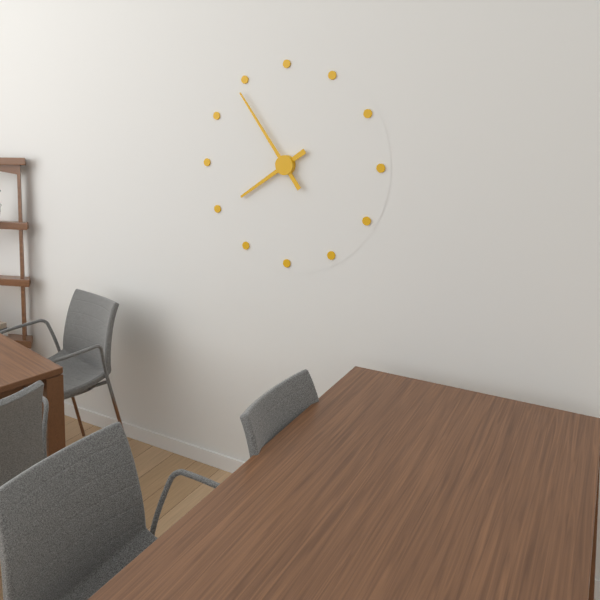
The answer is h=7 m=54
